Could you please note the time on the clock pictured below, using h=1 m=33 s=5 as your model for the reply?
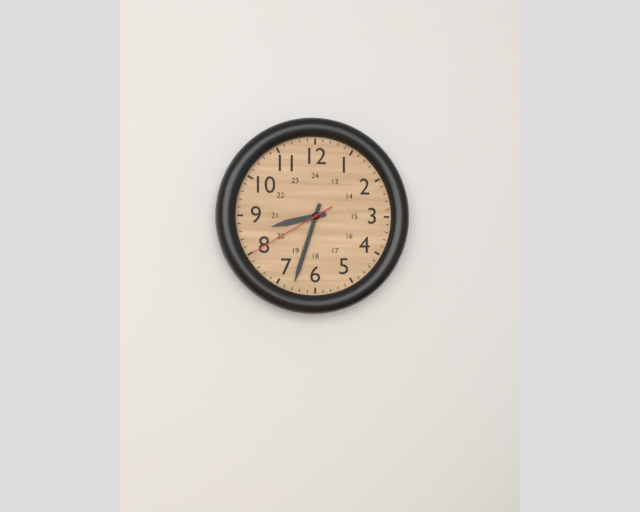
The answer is h=8 m=33 s=40
